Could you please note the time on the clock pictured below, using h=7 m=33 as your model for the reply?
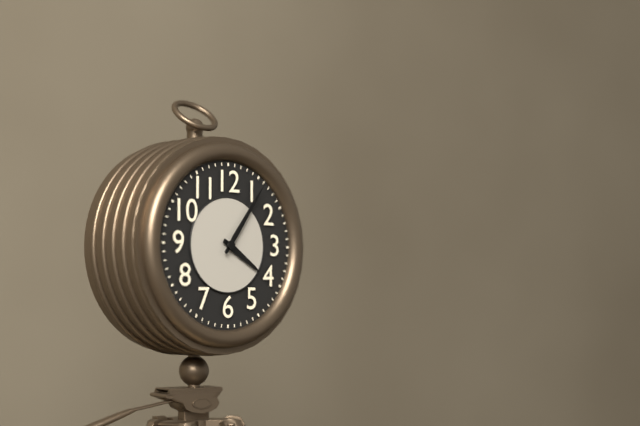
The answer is h=4 m=6
